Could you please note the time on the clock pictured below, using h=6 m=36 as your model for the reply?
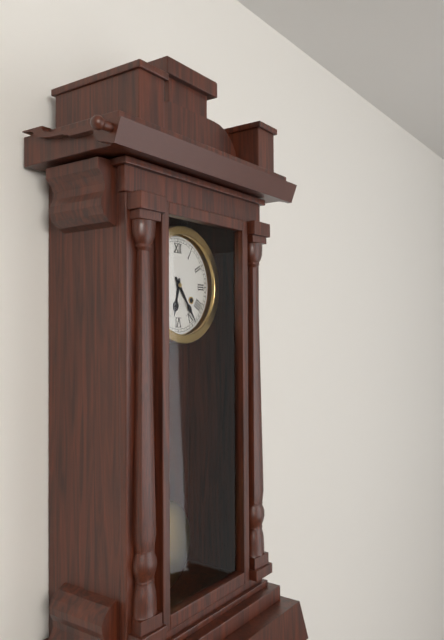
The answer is h=6 m=24
